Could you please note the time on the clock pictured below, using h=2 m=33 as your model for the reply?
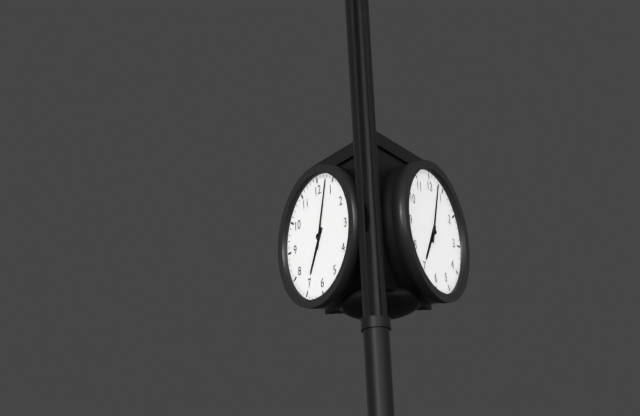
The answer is h=7 m=3
